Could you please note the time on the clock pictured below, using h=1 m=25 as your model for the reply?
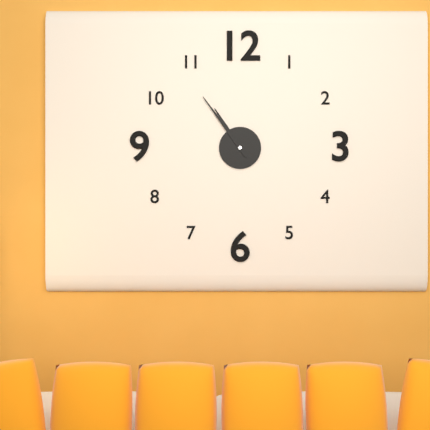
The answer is h=10 m=54
